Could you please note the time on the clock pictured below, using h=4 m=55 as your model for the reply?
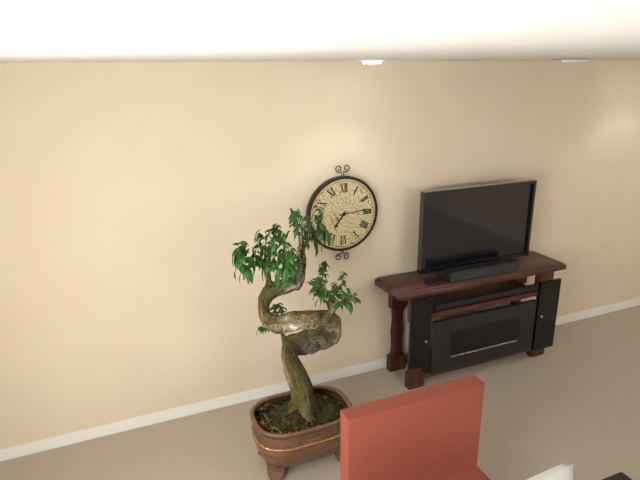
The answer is h=7 m=14
